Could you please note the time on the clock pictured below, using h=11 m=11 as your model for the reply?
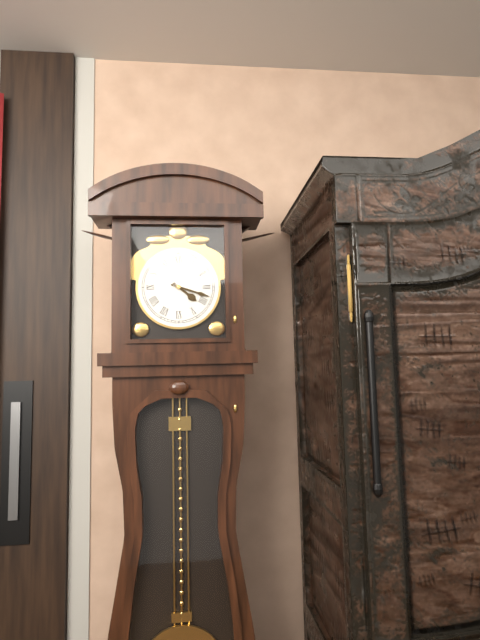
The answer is h=4 m=18
